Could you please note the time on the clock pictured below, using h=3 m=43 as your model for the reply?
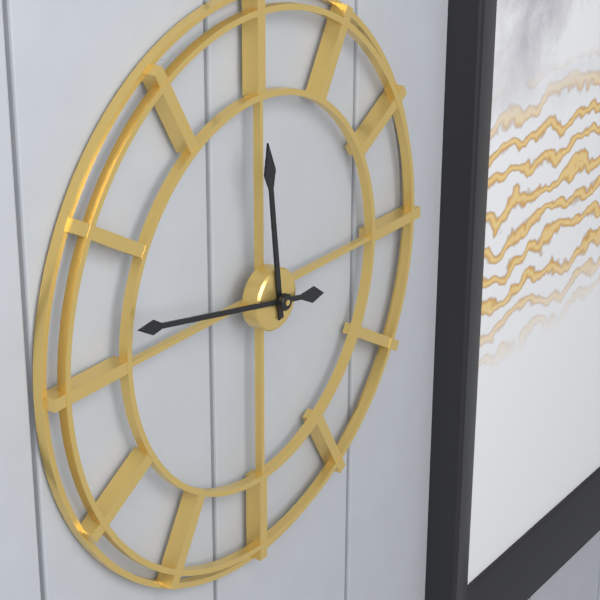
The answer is h=11 m=47
